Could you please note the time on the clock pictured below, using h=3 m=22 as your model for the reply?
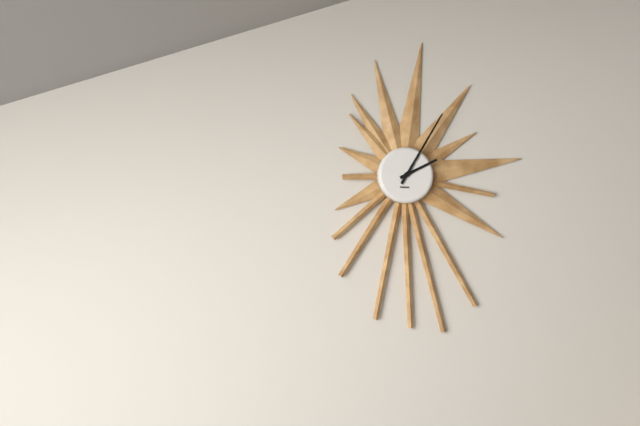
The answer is h=2 m=5
